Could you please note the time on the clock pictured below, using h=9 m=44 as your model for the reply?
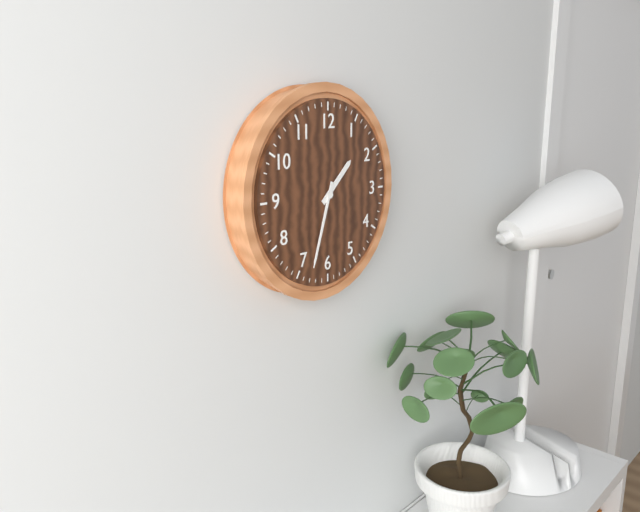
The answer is h=1 m=33
